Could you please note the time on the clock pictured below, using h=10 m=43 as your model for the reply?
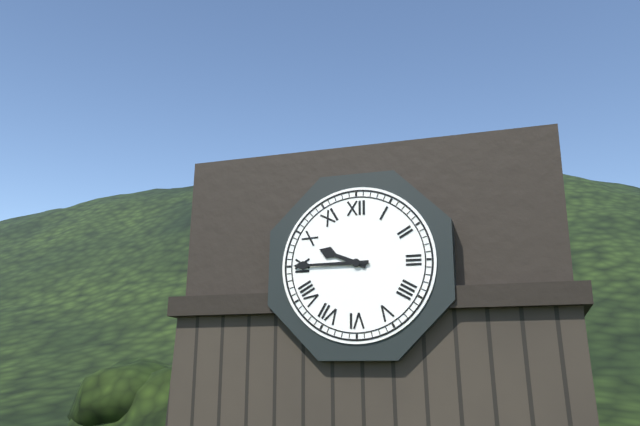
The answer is h=9 m=45
